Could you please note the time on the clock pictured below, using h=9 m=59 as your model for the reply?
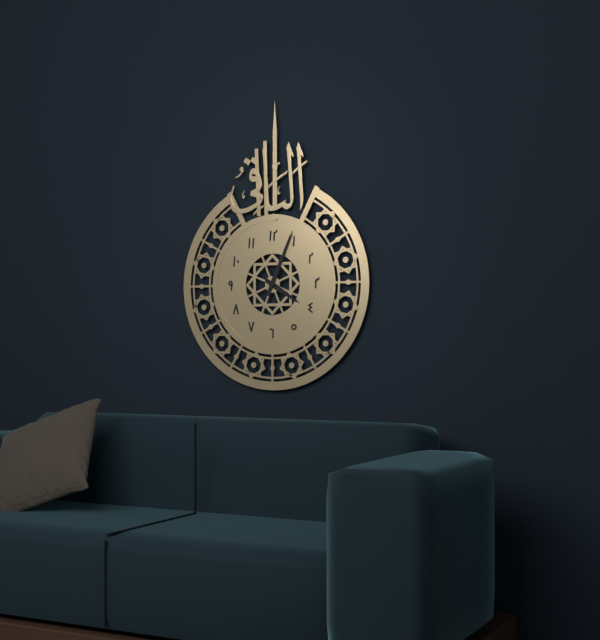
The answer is h=4 m=4
